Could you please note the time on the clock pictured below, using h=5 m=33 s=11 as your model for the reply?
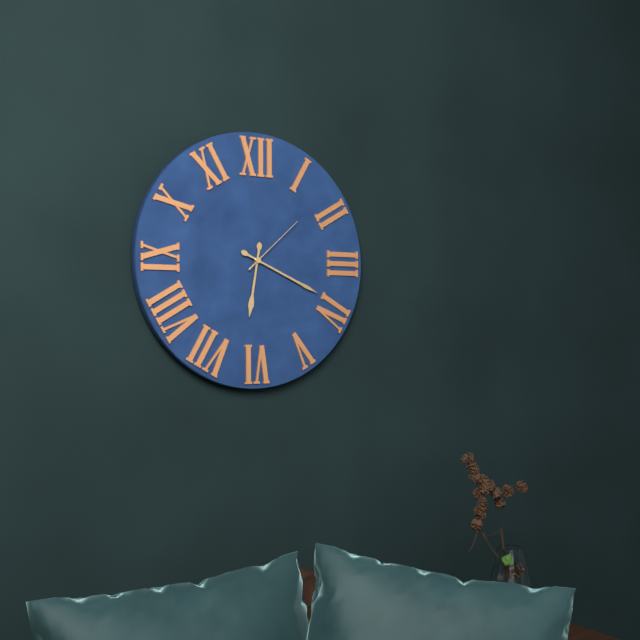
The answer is h=6 m=19 s=8
